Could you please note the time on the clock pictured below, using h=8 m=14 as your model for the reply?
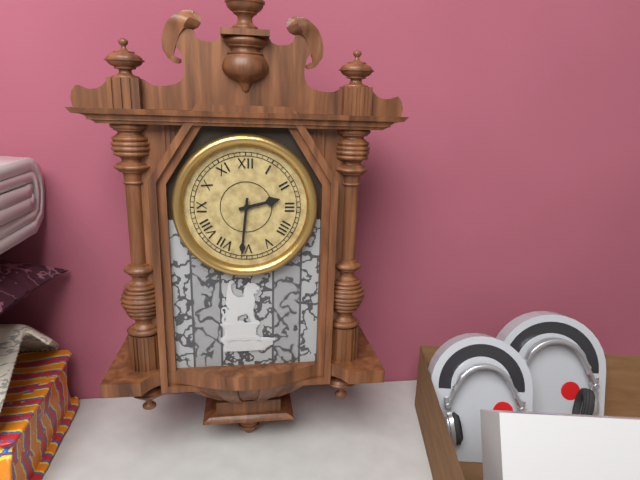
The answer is h=2 m=31
